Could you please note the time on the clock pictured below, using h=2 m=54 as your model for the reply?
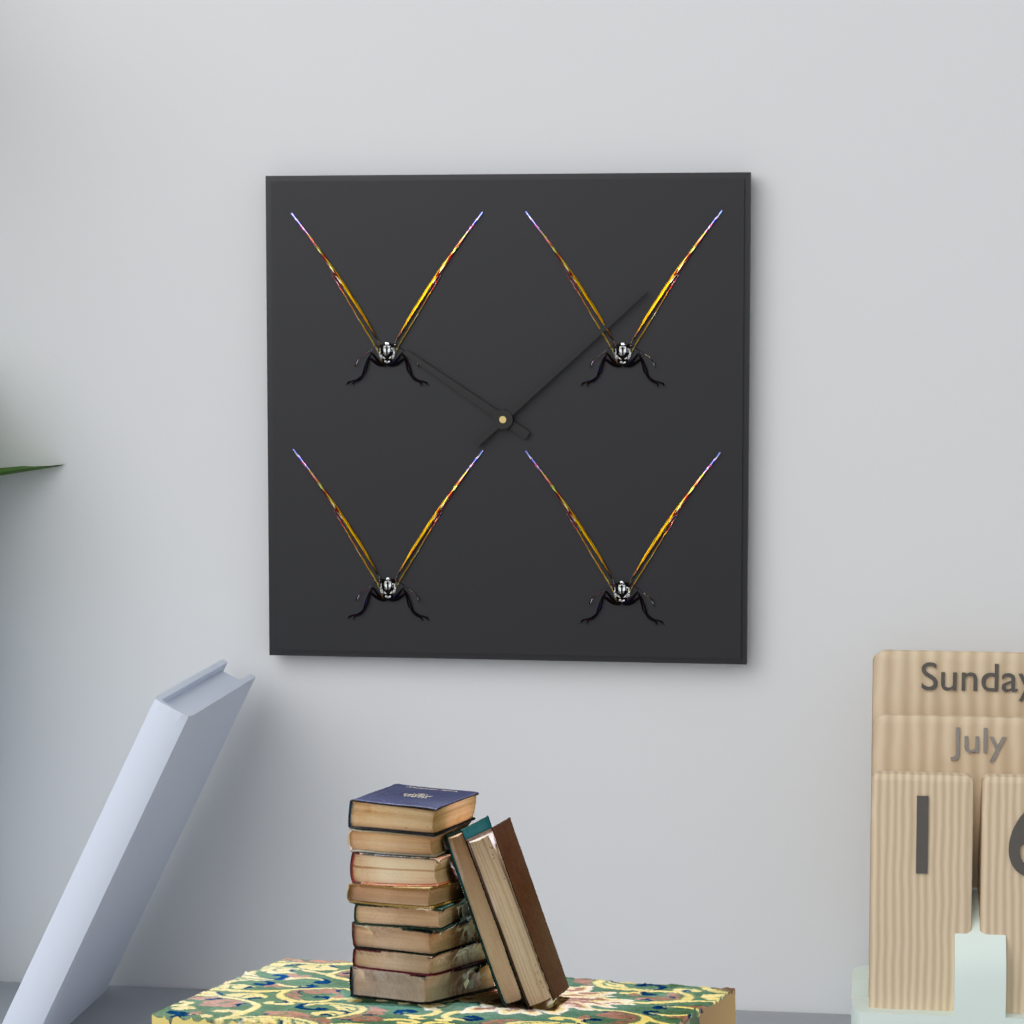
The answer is h=10 m=8
